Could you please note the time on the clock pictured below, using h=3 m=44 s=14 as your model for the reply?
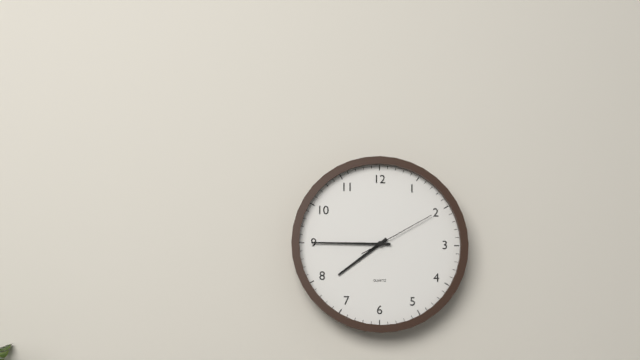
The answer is h=7 m=45 s=10
